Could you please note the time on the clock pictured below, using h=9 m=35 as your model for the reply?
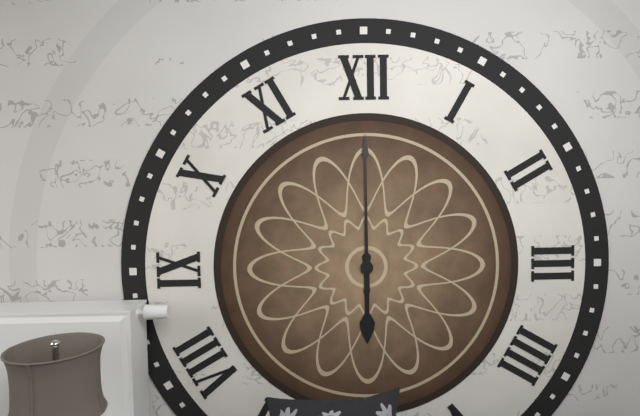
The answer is h=6 m=0
